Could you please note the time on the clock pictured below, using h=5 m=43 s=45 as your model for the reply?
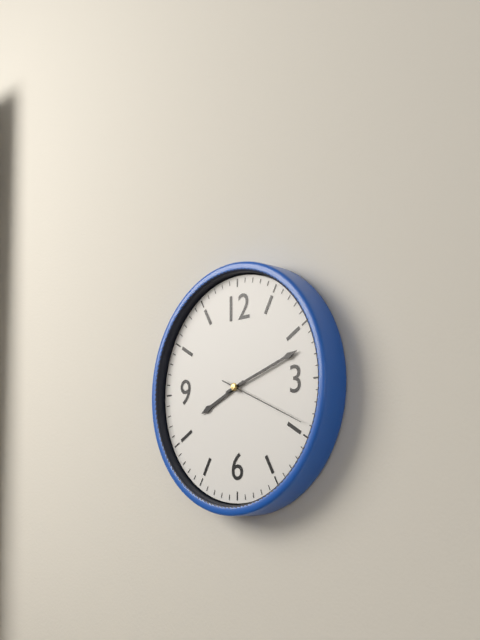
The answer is h=8 m=12 s=19
